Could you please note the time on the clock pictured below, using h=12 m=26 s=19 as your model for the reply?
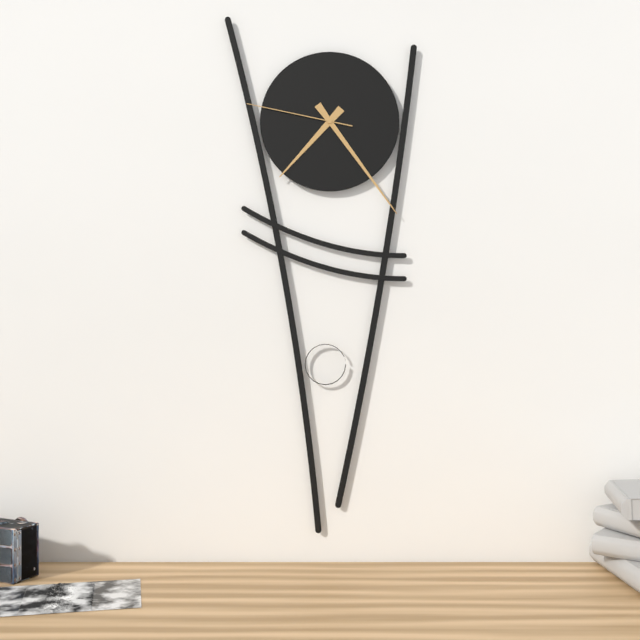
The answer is h=7 m=24 s=47
